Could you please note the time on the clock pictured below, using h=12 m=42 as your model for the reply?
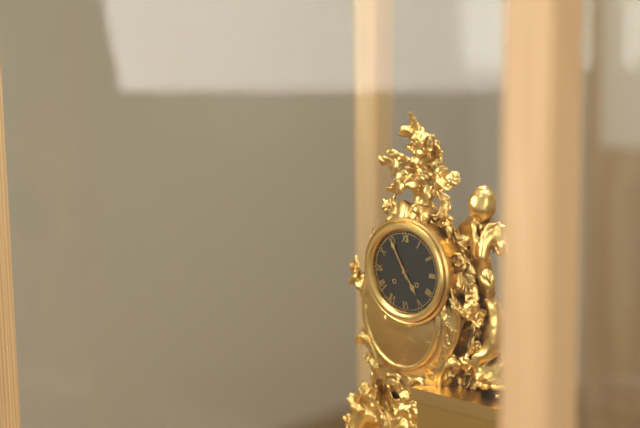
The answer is h=4 m=55
